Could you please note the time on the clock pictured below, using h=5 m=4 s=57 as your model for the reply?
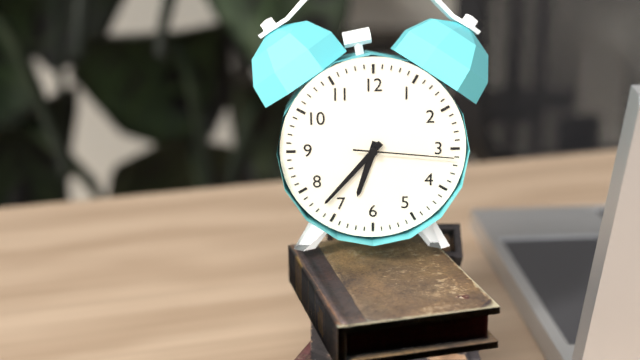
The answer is h=6 m=37 s=16
